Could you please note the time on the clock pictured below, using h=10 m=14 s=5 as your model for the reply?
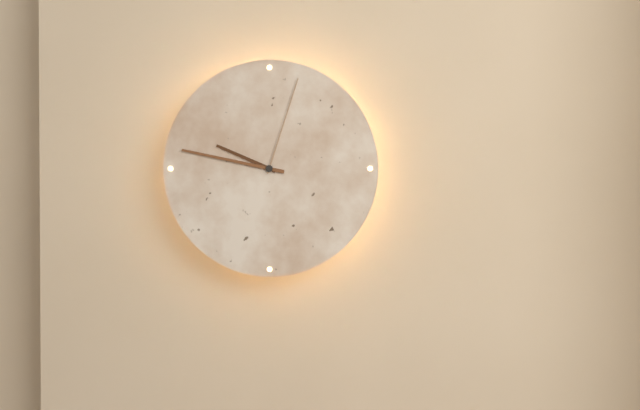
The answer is h=9 m=47 s=3
